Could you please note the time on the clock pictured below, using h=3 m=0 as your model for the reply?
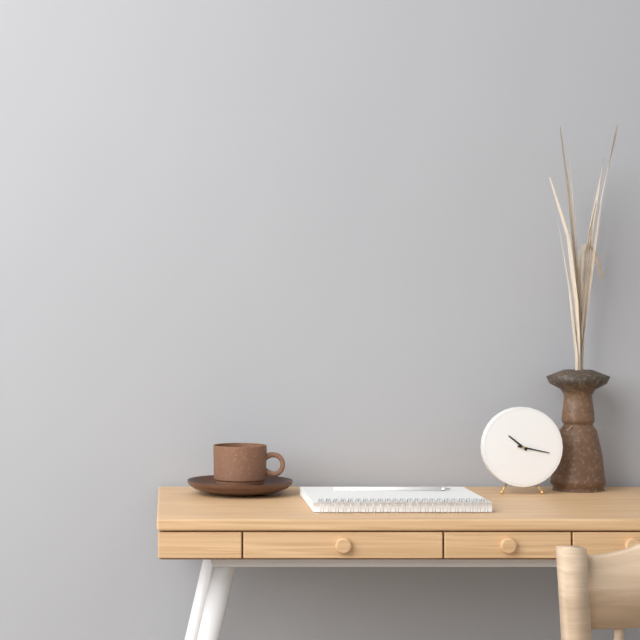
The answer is h=10 m=17
